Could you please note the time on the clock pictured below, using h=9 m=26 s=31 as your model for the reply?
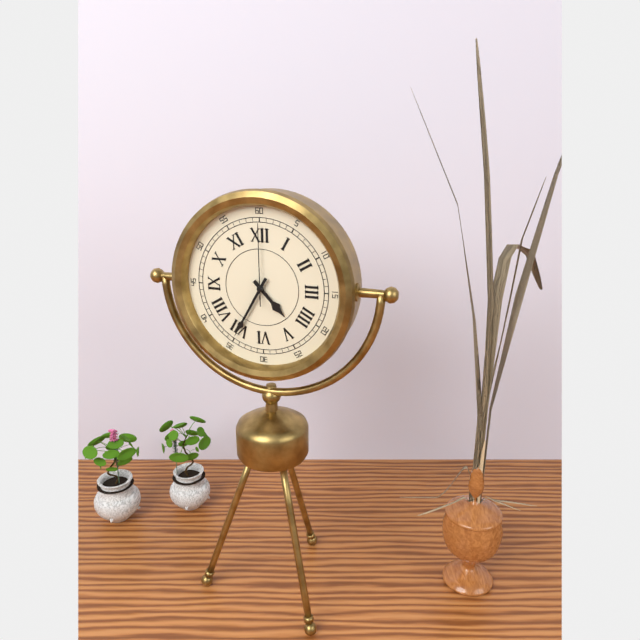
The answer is h=4 m=35 s=0
